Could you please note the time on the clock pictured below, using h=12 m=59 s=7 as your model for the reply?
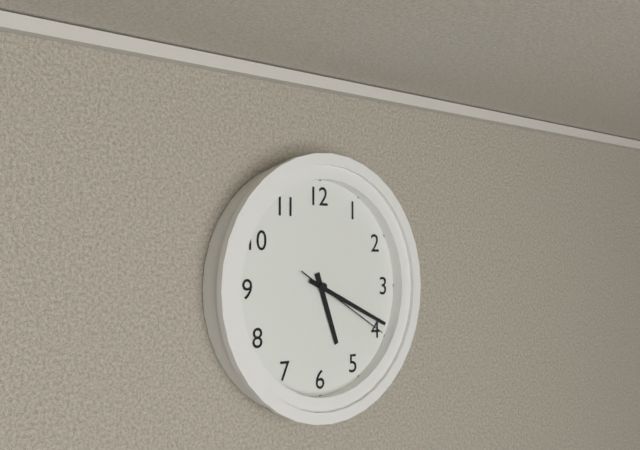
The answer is h=5 m=19 s=20
